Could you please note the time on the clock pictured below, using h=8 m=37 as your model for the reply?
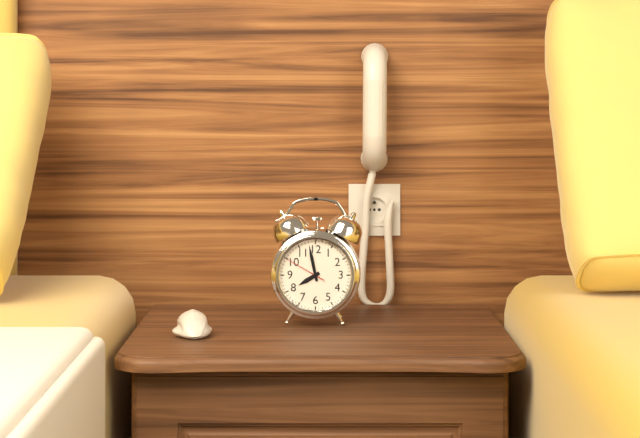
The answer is h=7 m=58
